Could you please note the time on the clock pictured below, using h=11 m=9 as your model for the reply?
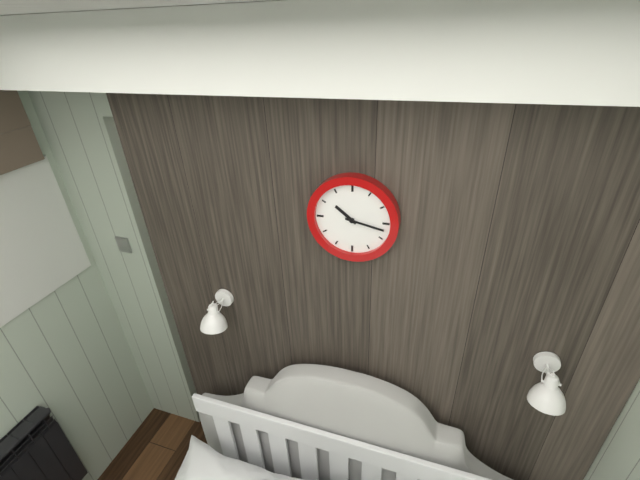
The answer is h=10 m=17
